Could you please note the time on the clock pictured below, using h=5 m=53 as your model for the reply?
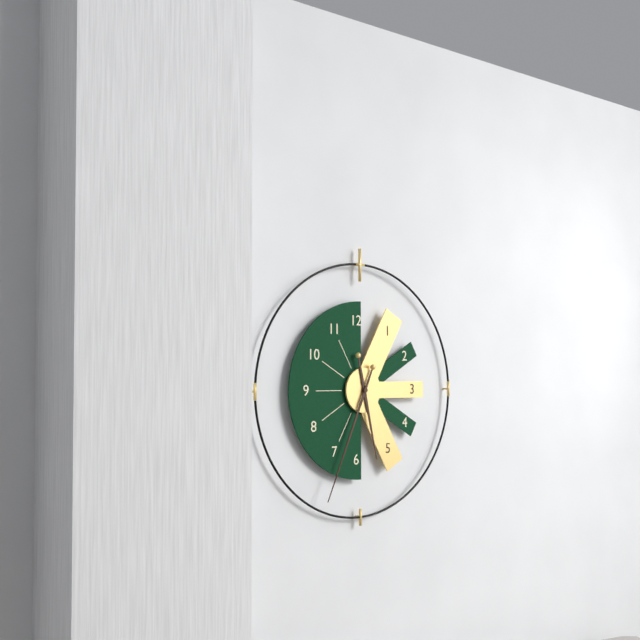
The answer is h=5 m=34
